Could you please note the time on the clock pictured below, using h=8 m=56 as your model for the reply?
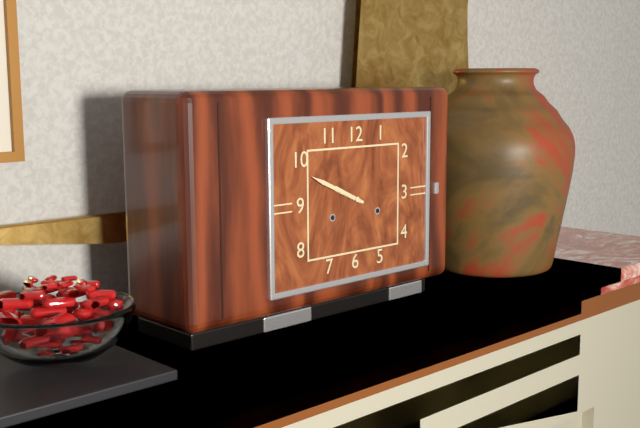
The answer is h=9 m=49
